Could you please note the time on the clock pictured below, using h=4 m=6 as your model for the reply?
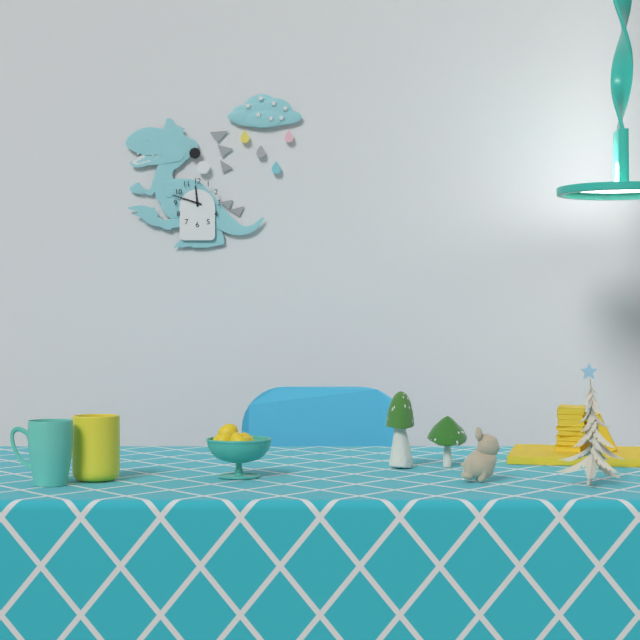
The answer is h=11 m=48
